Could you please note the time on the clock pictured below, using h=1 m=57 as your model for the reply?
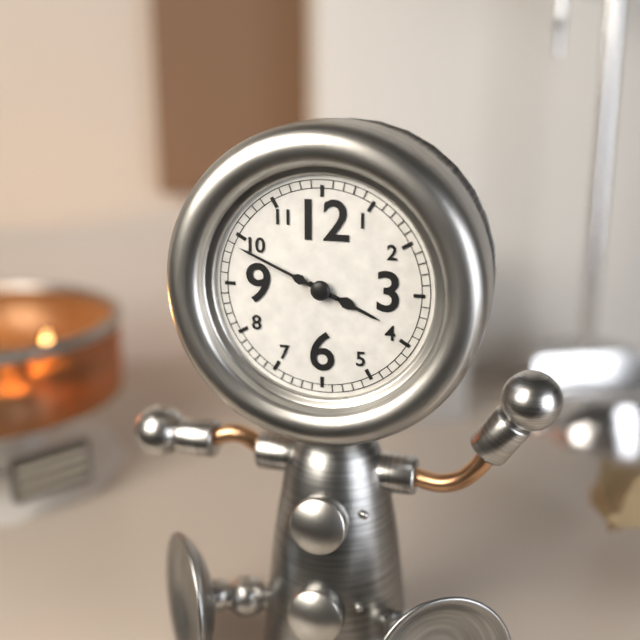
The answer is h=3 m=49
